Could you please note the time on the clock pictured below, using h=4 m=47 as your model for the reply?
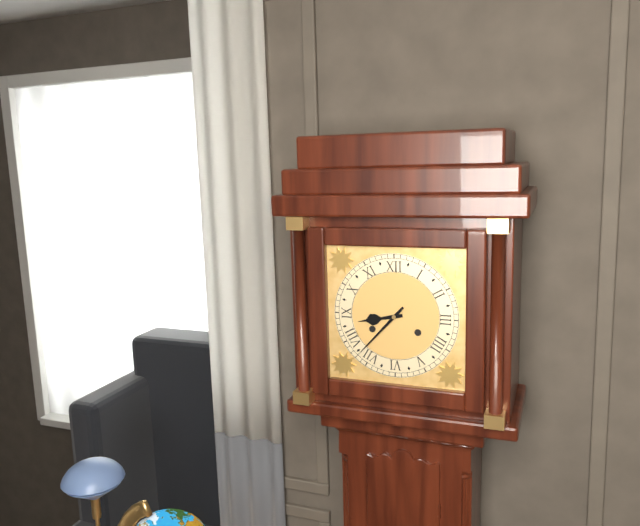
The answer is h=8 m=37
